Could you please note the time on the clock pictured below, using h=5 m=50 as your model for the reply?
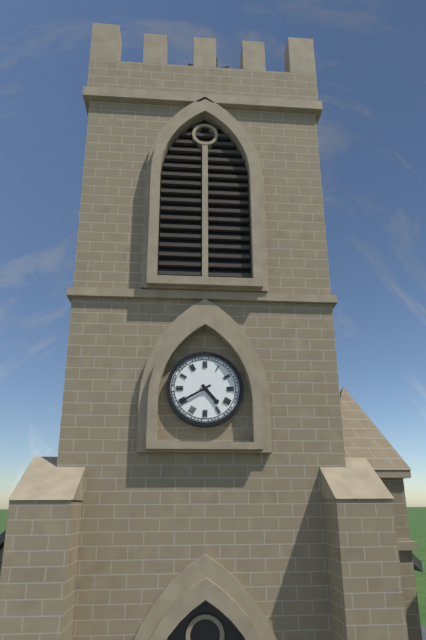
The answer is h=4 m=40
